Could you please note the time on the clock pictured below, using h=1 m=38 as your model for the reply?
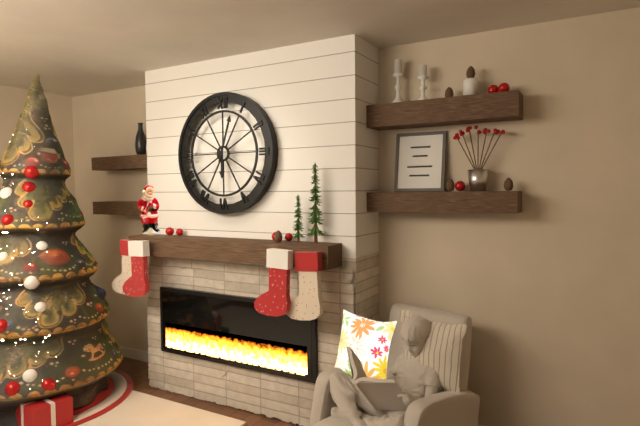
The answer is h=6 m=3
